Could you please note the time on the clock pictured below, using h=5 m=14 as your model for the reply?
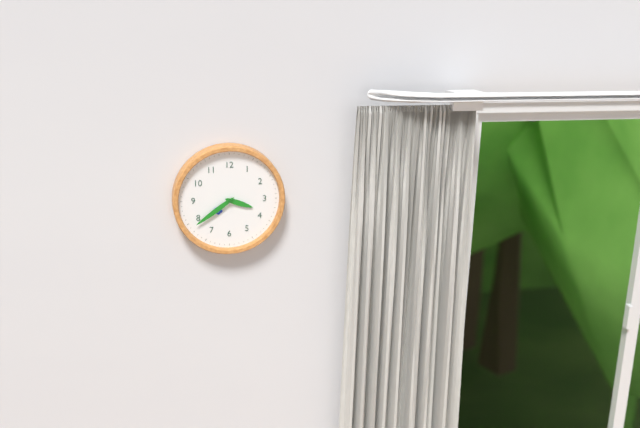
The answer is h=3 m=39
